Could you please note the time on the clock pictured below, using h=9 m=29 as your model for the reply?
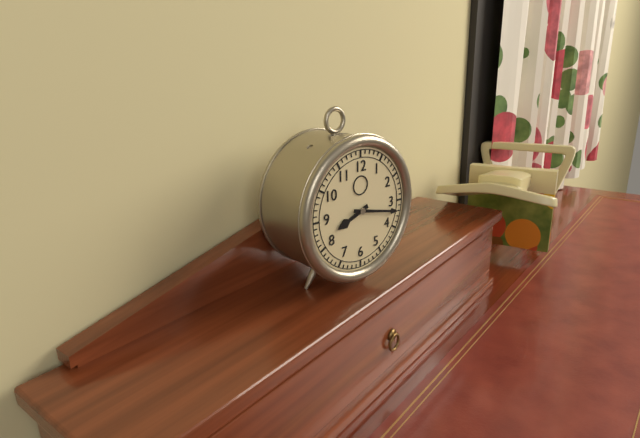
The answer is h=8 m=17
